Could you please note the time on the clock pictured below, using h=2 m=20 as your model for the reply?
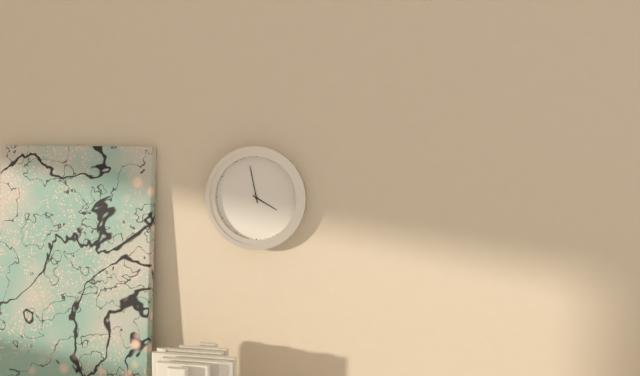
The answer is h=3 m=58
